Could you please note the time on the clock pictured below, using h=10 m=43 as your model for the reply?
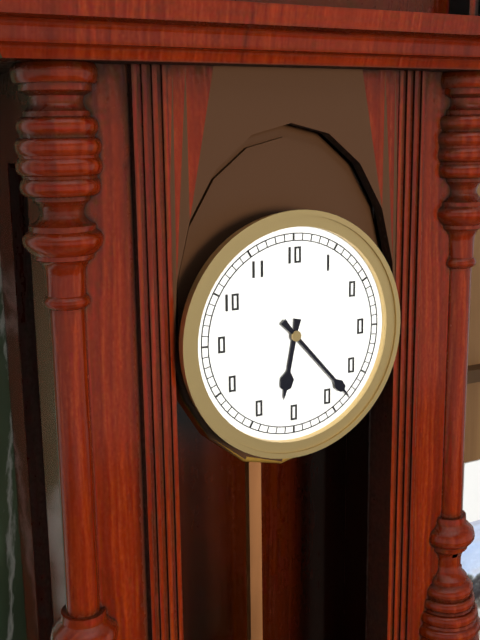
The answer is h=6 m=23
